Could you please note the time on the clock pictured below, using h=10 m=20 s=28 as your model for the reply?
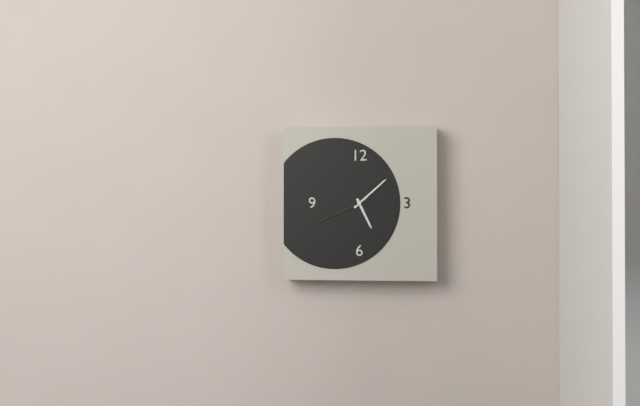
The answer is h=5 m=8 s=41
